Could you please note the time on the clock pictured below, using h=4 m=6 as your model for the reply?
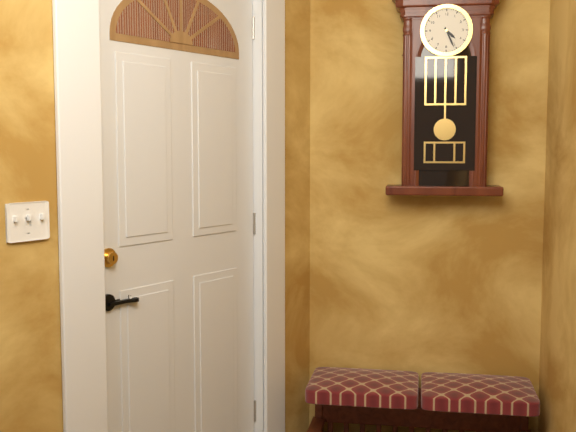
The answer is h=4 m=26
